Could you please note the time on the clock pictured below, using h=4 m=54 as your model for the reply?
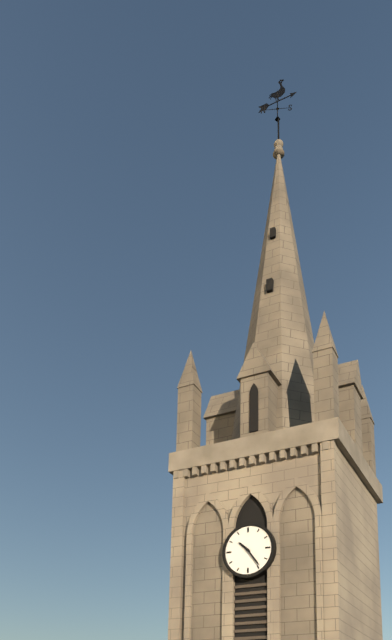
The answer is h=10 m=24
